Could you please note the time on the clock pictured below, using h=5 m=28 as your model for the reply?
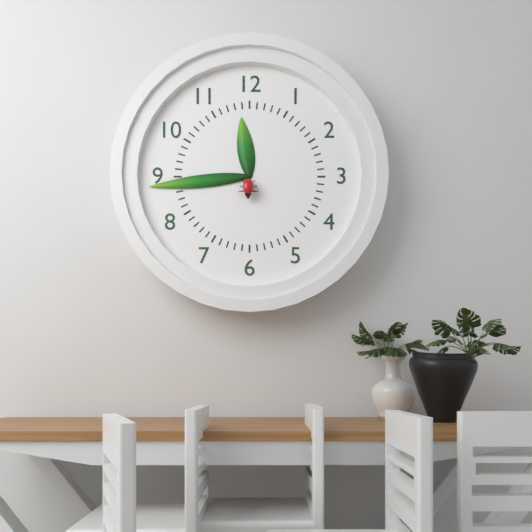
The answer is h=11 m=44
